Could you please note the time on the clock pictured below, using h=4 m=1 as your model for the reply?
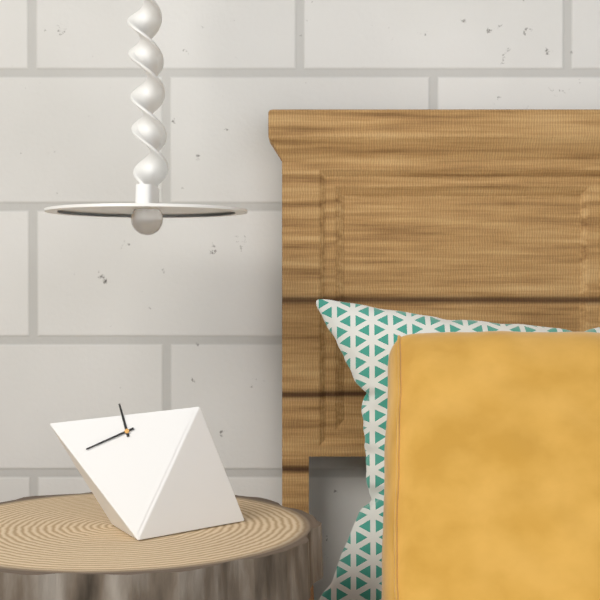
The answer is h=11 m=42
